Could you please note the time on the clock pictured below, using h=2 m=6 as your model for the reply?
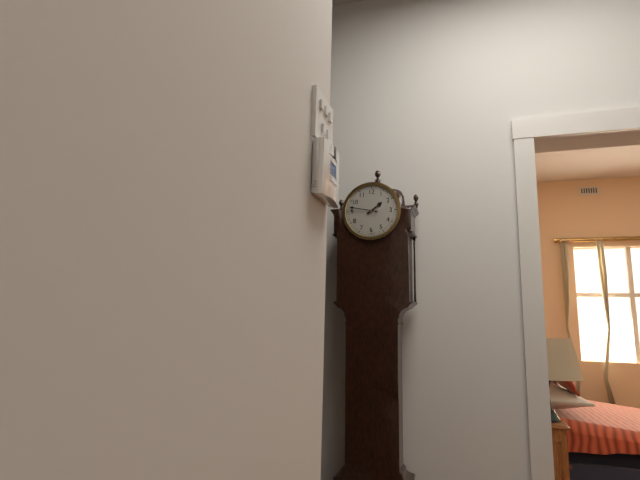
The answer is h=1 m=47
